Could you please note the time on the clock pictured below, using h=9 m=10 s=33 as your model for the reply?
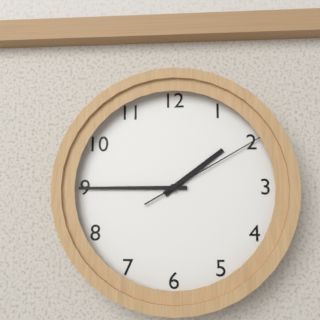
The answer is h=1 m=45 s=10
